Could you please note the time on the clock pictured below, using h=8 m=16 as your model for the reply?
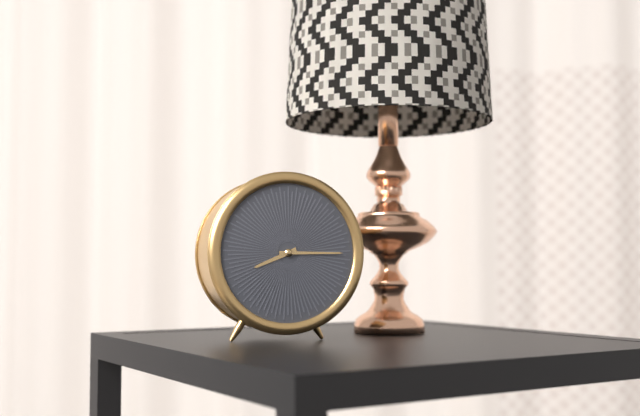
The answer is h=8 m=15
